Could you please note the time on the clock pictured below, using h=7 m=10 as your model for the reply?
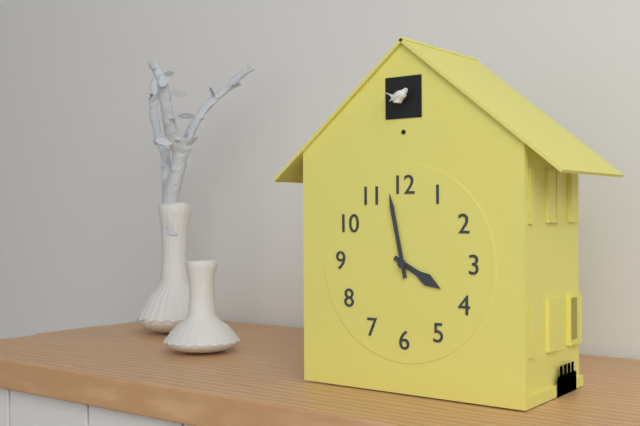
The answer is h=3 m=58
